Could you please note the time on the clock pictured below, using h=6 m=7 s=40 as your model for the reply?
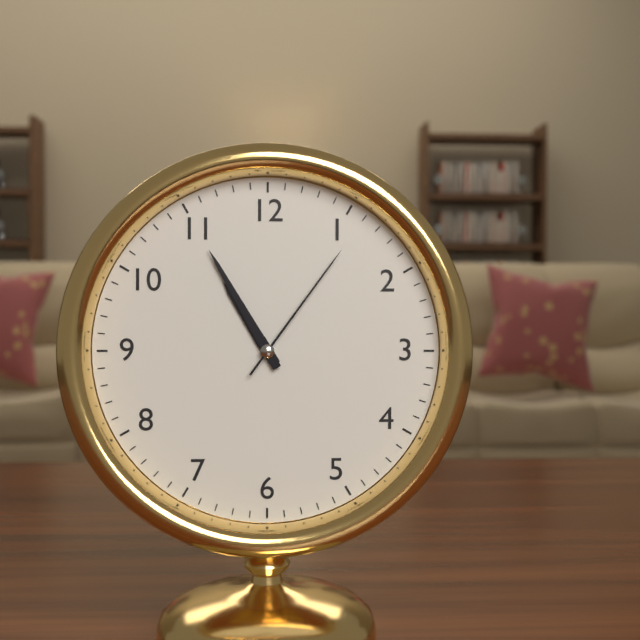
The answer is h=10 m=55 s=6
